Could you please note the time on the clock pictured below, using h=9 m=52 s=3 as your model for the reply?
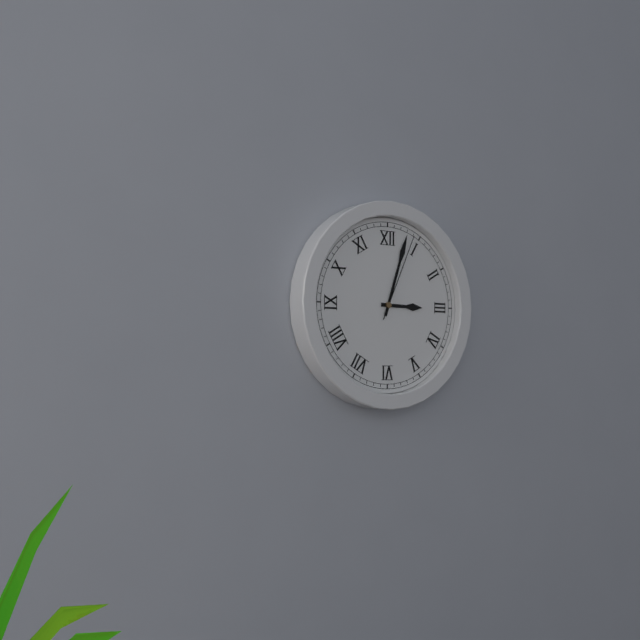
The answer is h=3 m=3 s=4
